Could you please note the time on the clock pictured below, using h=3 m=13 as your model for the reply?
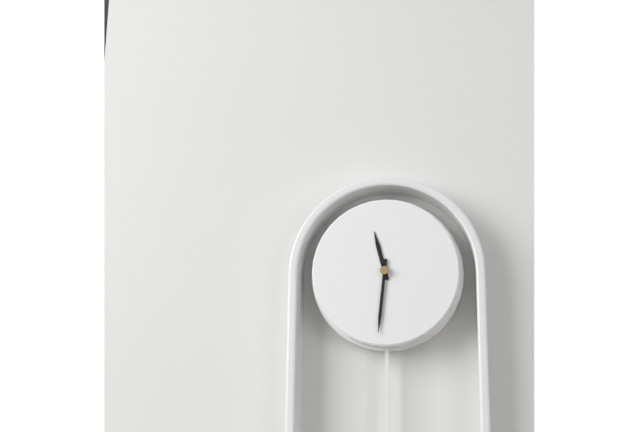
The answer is h=11 m=31
